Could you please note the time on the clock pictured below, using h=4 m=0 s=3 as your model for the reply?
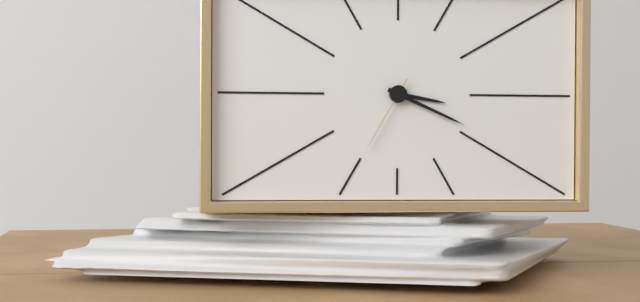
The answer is h=3 m=19 s=35
